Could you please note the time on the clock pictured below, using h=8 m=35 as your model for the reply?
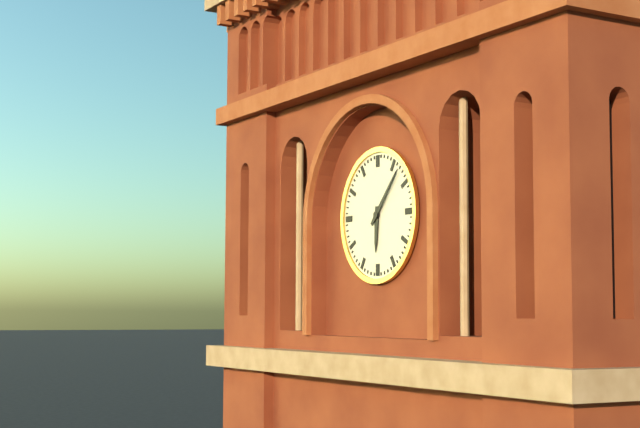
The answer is h=6 m=7
